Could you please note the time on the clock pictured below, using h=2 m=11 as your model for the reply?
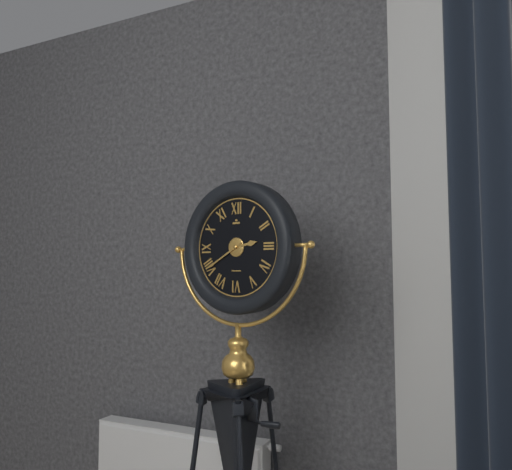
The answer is h=2 m=40
